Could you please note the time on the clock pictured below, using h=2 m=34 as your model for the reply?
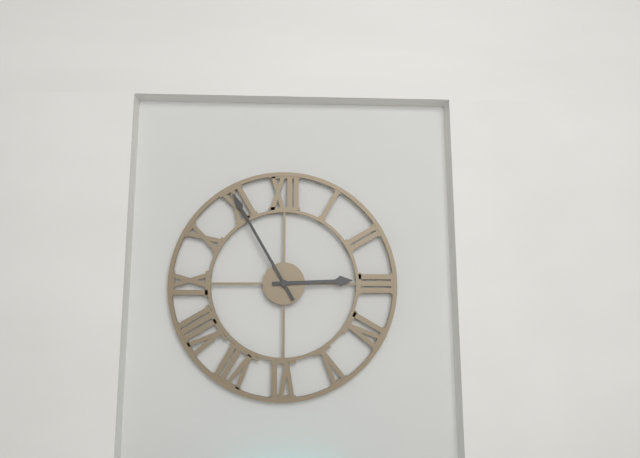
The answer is h=2 m=55
